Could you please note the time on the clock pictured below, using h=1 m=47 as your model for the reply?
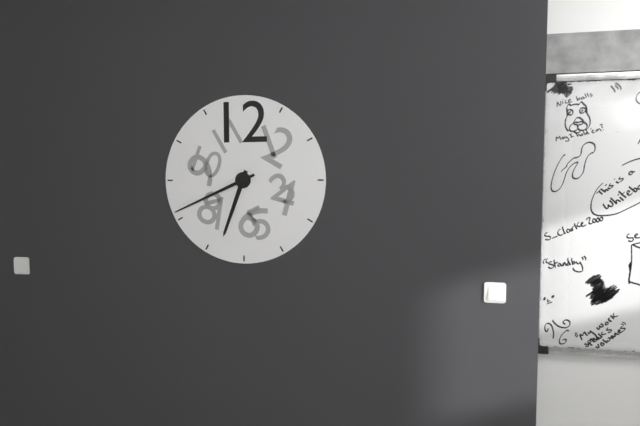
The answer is h=6 m=41
